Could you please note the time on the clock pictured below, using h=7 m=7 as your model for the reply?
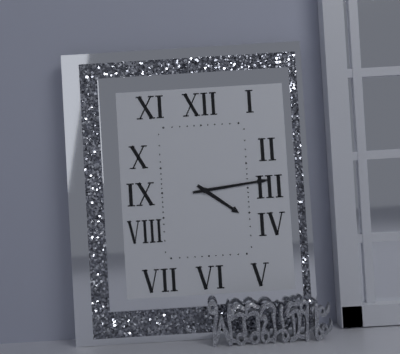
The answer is h=4 m=14
